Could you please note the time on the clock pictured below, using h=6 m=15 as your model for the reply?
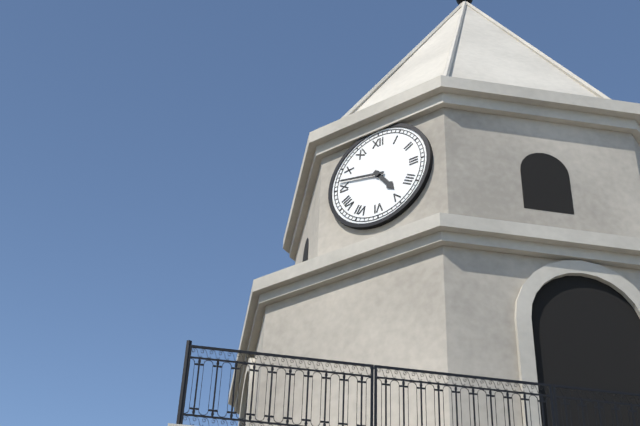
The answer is h=4 m=47
